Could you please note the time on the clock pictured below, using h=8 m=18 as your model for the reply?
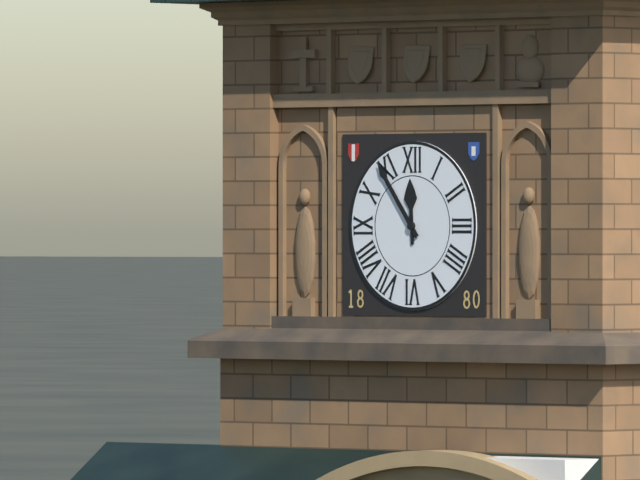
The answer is h=11 m=54
